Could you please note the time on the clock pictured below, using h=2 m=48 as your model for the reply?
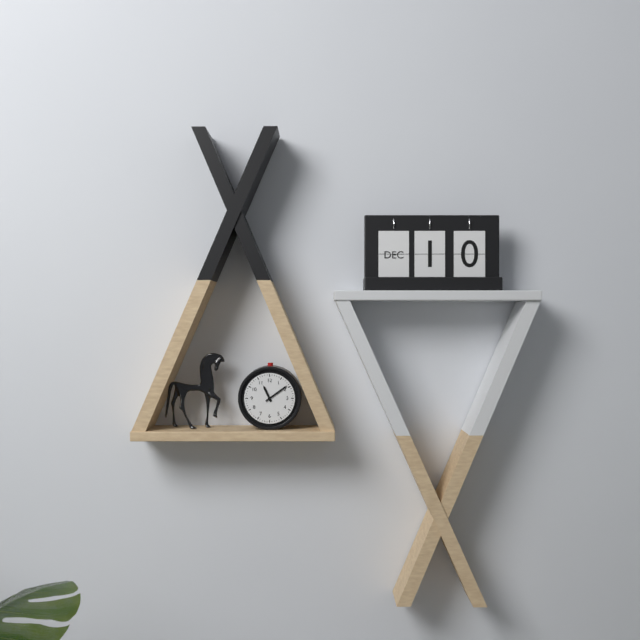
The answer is h=11 m=9
